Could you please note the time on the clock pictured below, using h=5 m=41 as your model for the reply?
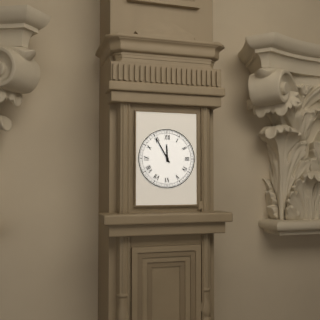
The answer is h=11 m=55
